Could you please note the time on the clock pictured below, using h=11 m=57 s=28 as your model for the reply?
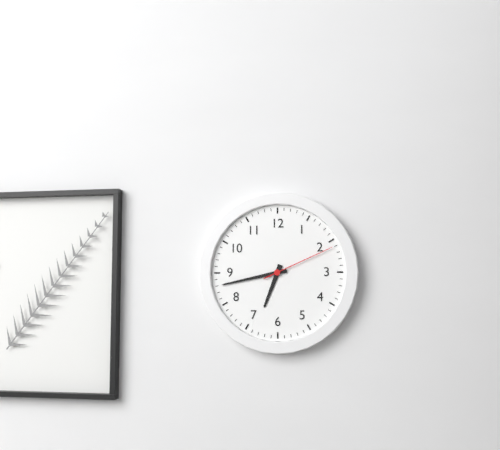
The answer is h=6 m=43 s=11
